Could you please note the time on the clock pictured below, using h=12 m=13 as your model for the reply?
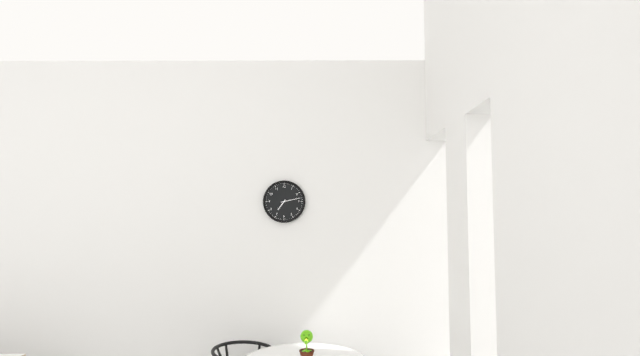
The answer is h=7 m=13
